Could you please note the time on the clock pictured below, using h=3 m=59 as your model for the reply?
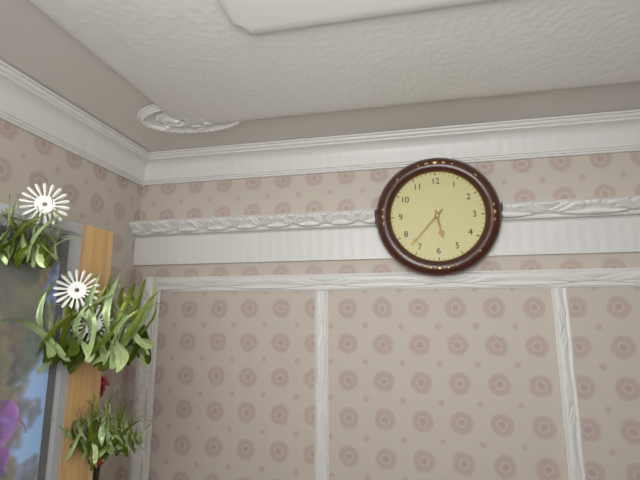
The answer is h=5 m=37
